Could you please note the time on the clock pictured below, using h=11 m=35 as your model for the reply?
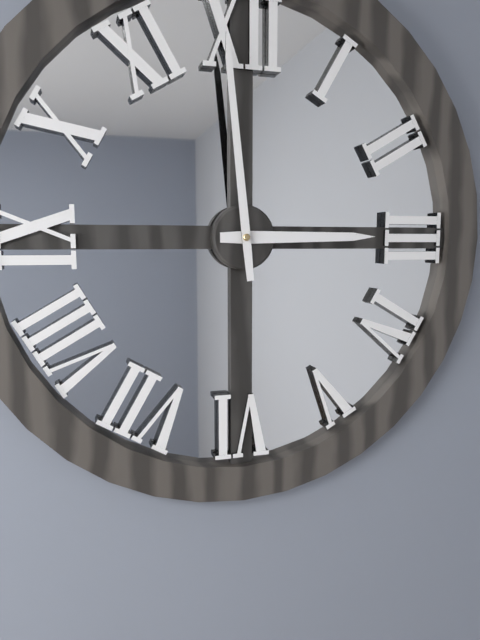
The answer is h=2 m=59
